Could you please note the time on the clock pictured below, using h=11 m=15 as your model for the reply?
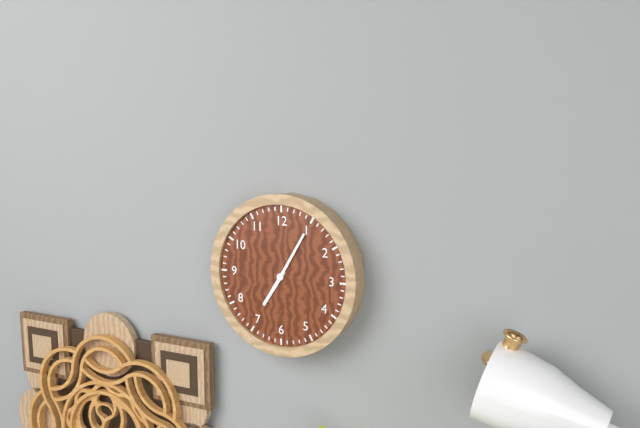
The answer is h=7 m=5
